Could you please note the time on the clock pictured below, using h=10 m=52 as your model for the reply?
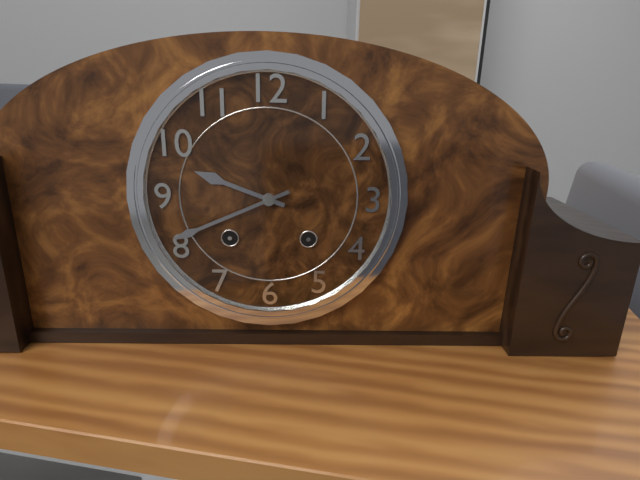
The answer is h=9 m=41
